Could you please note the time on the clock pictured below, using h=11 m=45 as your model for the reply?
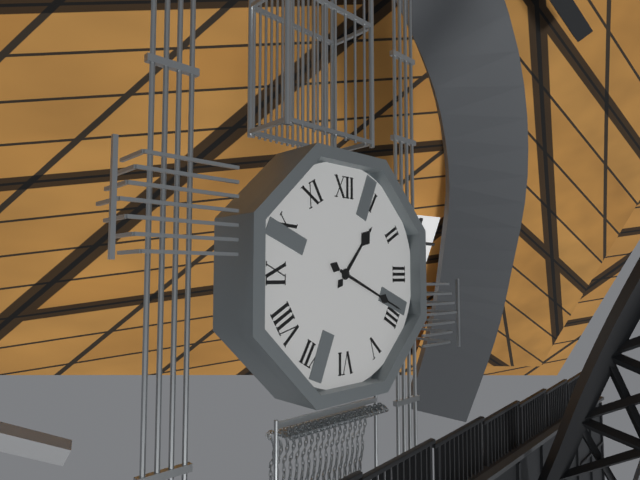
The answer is h=1 m=19
